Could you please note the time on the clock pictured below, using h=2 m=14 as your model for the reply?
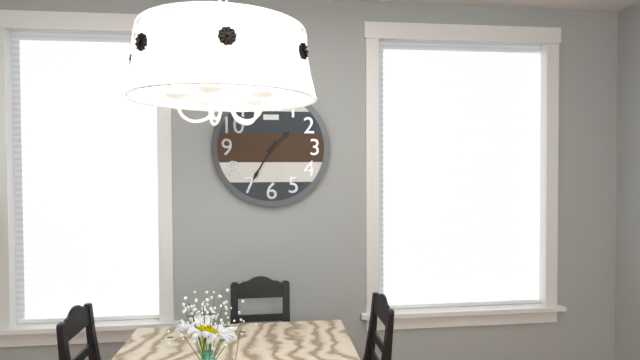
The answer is h=1 m=35
